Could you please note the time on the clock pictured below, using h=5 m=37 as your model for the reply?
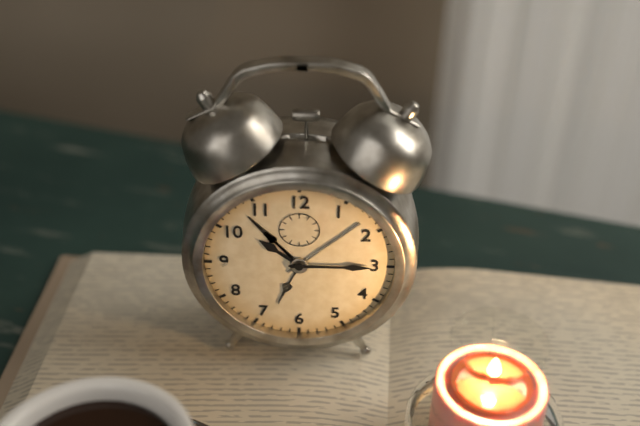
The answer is h=10 m=15
